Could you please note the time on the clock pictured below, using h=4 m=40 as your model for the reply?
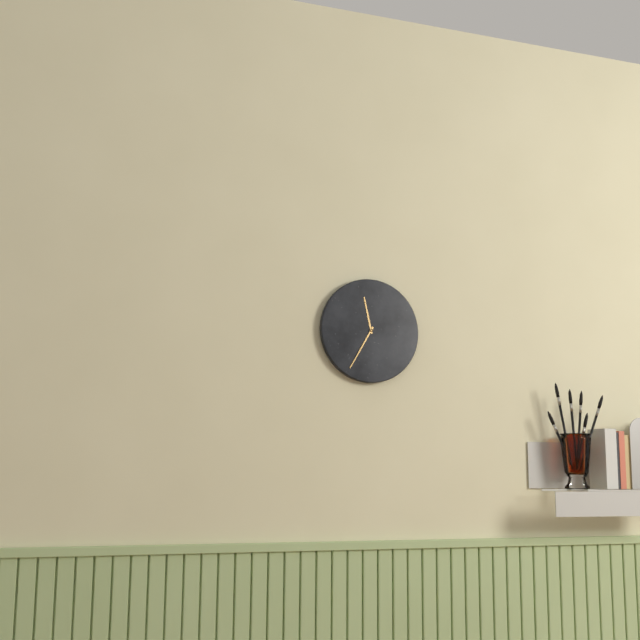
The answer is h=11 m=35
